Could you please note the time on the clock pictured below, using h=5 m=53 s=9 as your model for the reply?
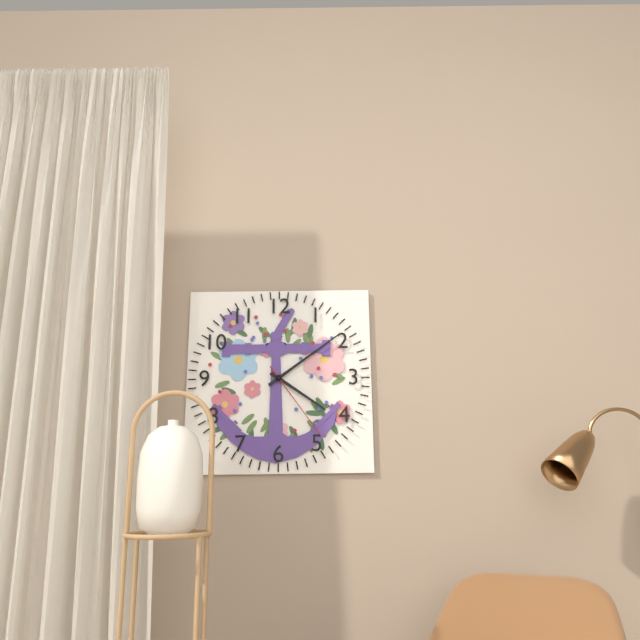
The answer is h=4 m=9 s=24
